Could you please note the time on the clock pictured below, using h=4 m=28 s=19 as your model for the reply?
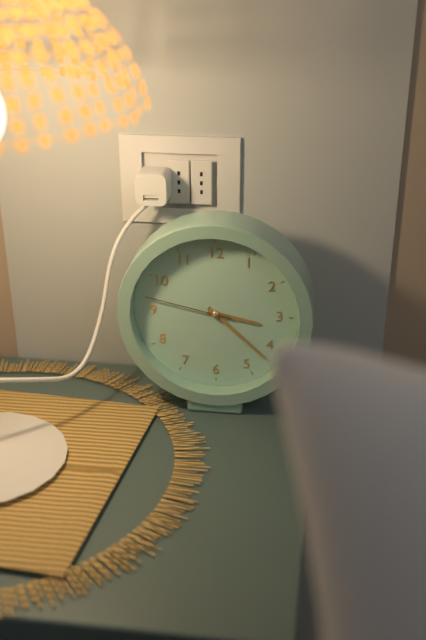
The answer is h=3 m=22 s=47
